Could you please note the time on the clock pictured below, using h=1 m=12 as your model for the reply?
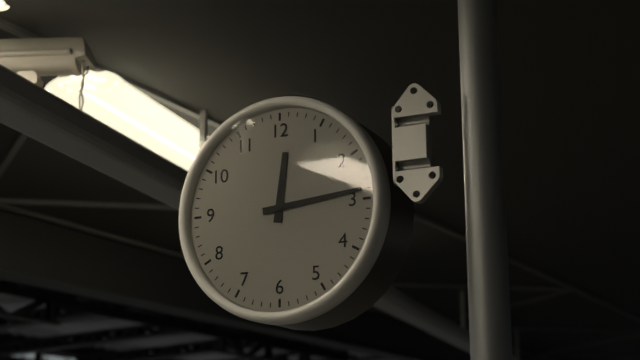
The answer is h=12 m=14
